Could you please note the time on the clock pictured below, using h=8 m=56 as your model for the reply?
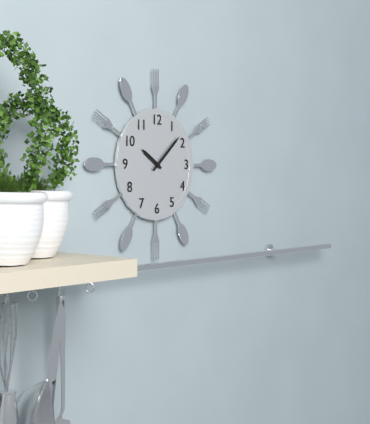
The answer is h=10 m=8
